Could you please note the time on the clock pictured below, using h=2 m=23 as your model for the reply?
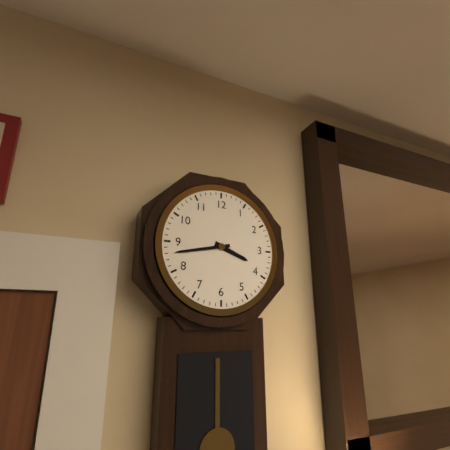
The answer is h=3 m=43
